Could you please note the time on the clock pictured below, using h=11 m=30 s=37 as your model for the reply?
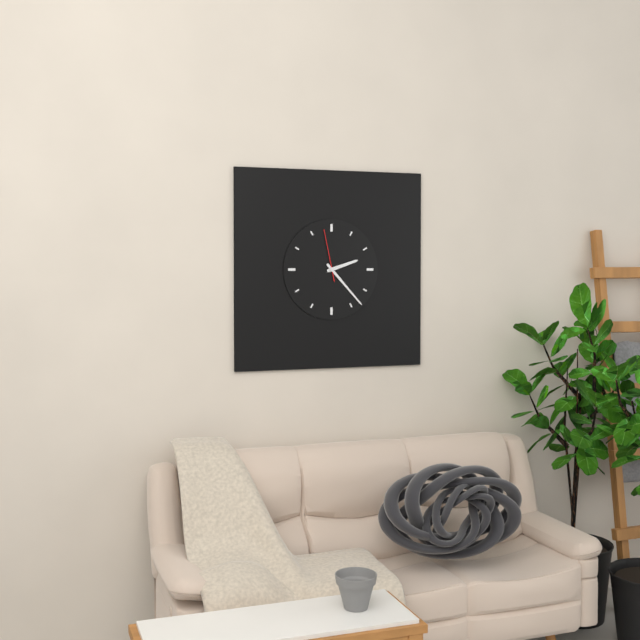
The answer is h=2 m=23 s=58
